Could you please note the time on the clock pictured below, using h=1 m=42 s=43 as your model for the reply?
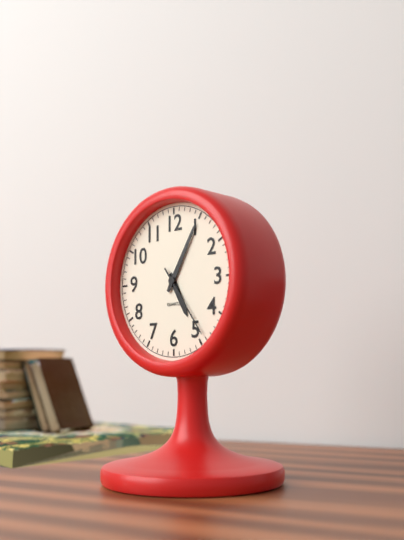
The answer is h=5 m=5 s=24
